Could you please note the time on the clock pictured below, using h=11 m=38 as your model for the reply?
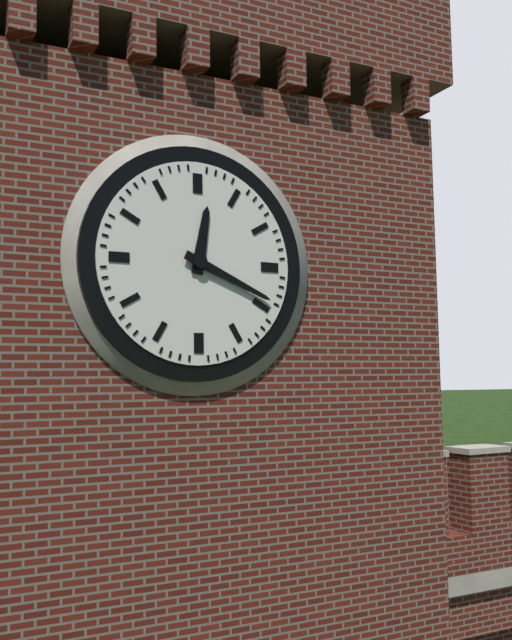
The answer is h=12 m=19
